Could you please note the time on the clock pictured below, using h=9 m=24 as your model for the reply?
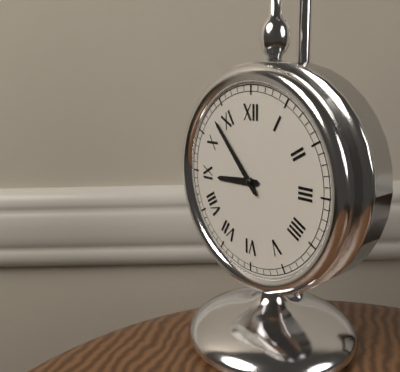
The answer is h=8 m=53
